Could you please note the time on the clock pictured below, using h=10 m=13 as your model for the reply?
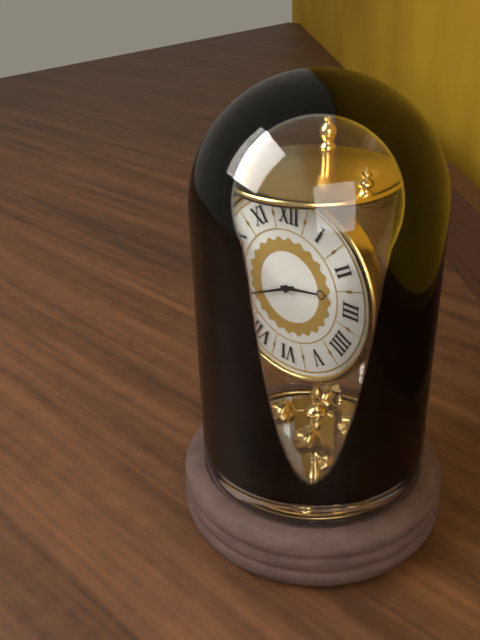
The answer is h=2 m=41
